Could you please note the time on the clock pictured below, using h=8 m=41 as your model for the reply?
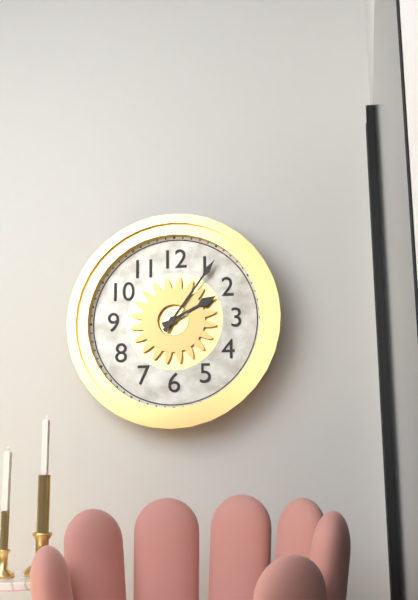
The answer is h=2 m=6
